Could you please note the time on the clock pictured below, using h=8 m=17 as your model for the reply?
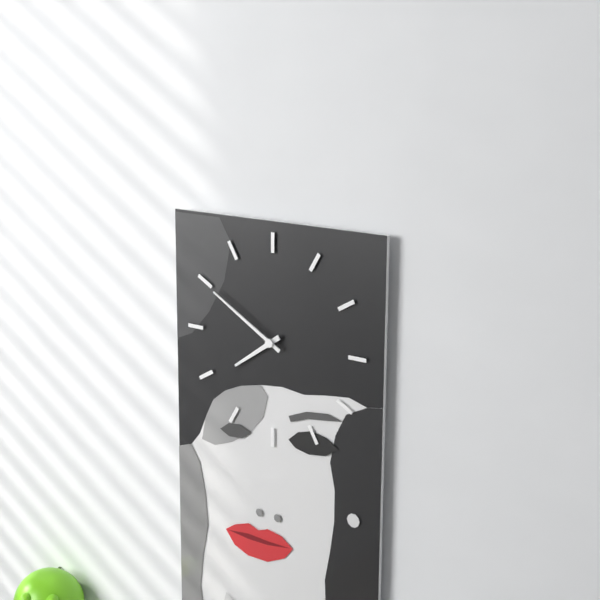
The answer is h=7 m=50
